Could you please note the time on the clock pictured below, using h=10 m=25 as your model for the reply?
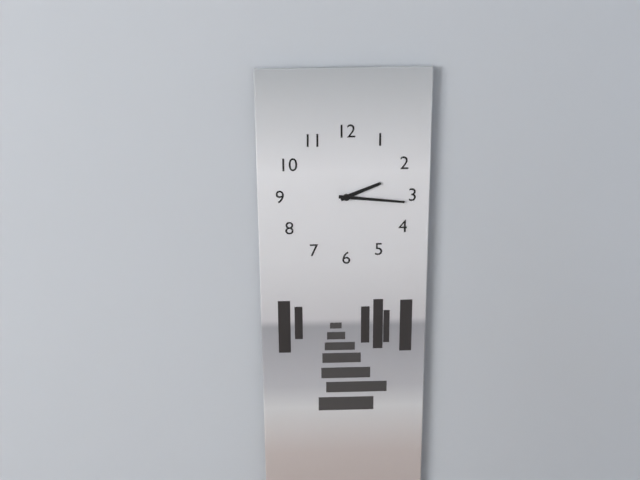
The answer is h=2 m=16
